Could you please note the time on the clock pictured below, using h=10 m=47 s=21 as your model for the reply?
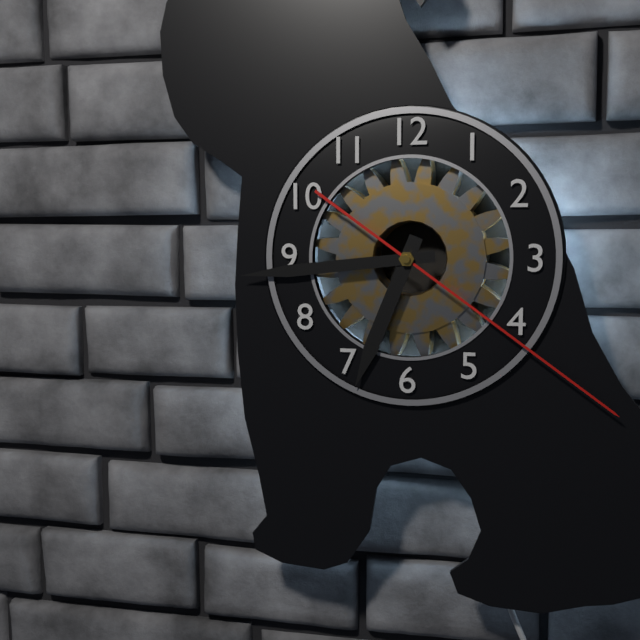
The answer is h=6 m=44 s=21
